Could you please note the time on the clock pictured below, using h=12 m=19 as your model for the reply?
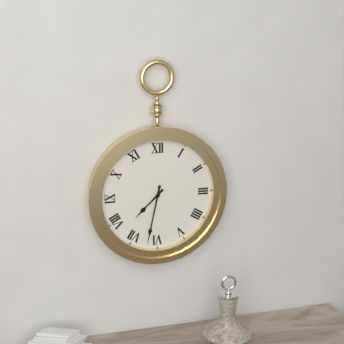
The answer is h=7 m=32
